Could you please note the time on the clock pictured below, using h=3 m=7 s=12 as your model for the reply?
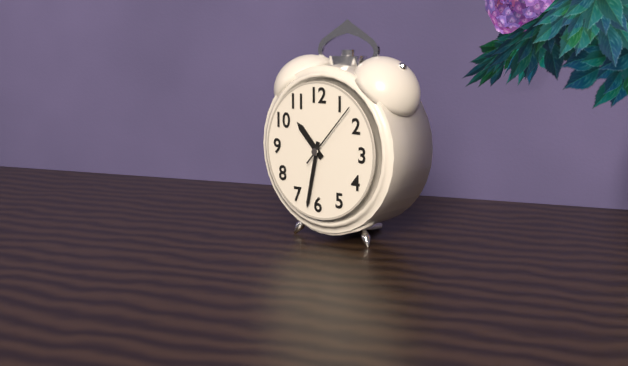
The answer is h=10 m=32 s=7
